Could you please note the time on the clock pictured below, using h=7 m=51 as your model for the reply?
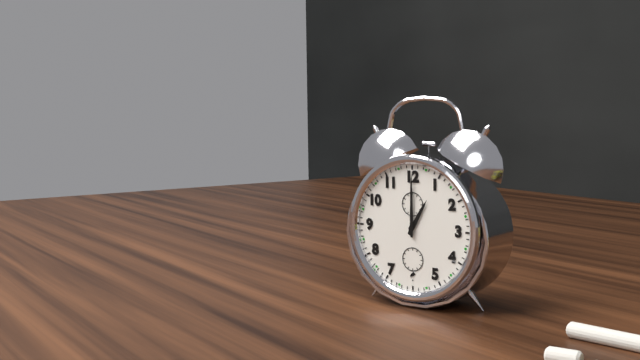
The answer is h=1 m=0
